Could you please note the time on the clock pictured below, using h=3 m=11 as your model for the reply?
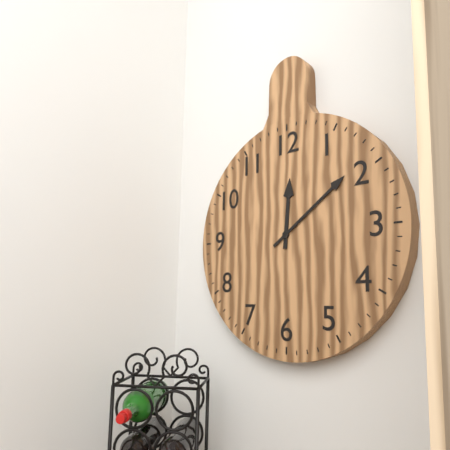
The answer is h=12 m=9
